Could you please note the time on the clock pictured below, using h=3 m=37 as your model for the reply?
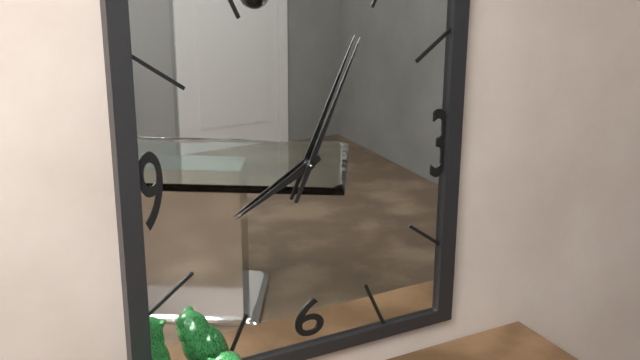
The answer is h=8 m=4
